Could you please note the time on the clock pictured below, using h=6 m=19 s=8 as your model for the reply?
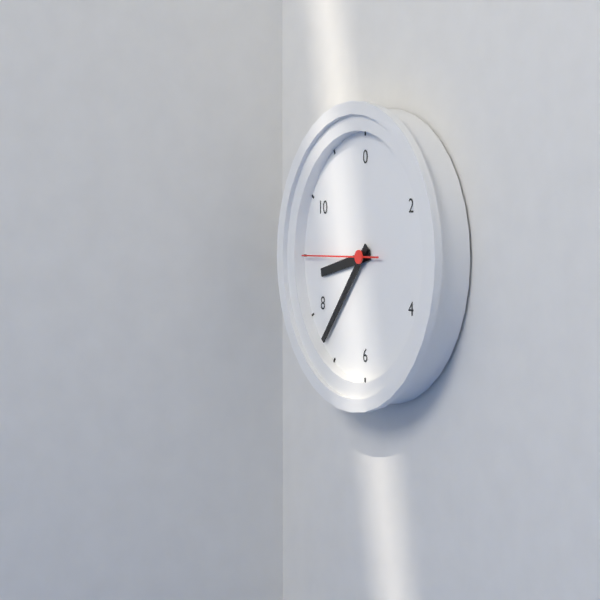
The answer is h=8 m=37 s=45
